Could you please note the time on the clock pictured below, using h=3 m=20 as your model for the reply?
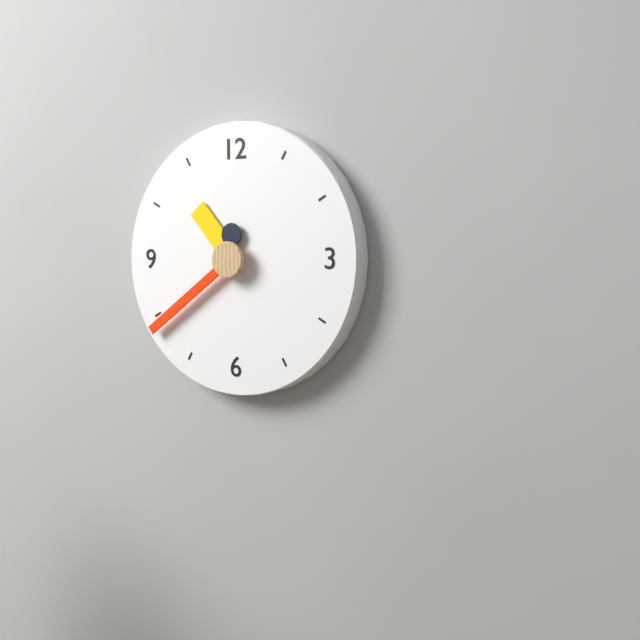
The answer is h=10 m=39
